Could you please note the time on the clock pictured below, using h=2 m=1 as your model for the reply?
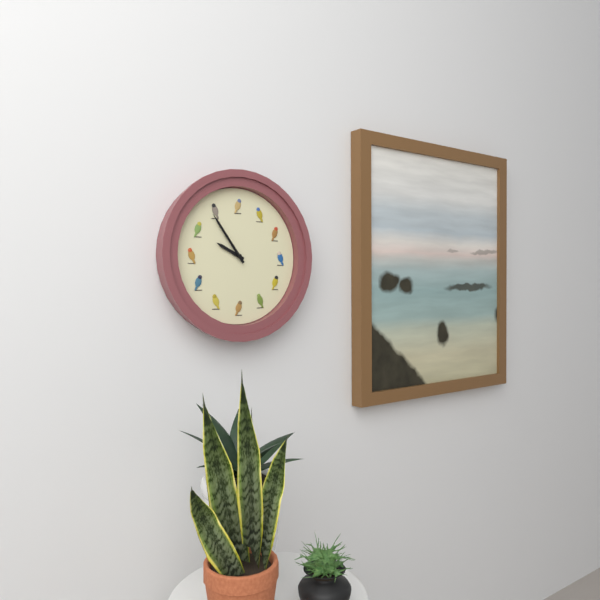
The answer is h=9 m=54
